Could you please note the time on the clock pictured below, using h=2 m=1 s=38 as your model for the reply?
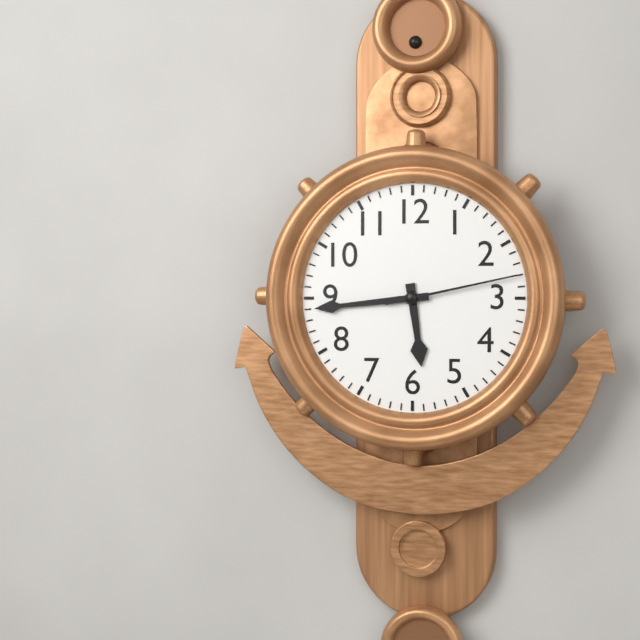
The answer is h=5 m=44 s=13
